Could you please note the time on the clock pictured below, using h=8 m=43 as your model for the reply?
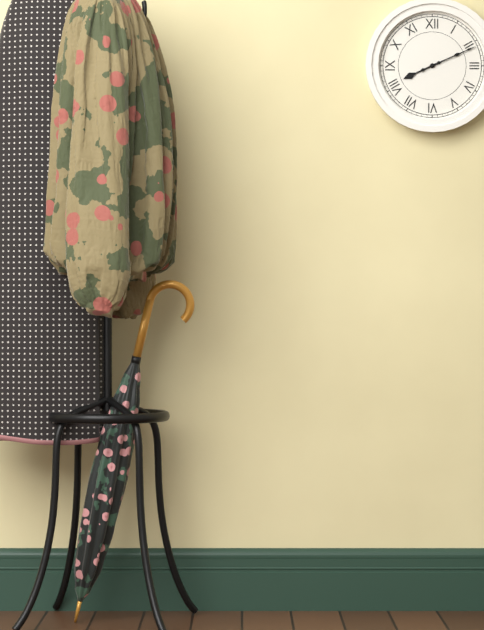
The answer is h=8 m=11
